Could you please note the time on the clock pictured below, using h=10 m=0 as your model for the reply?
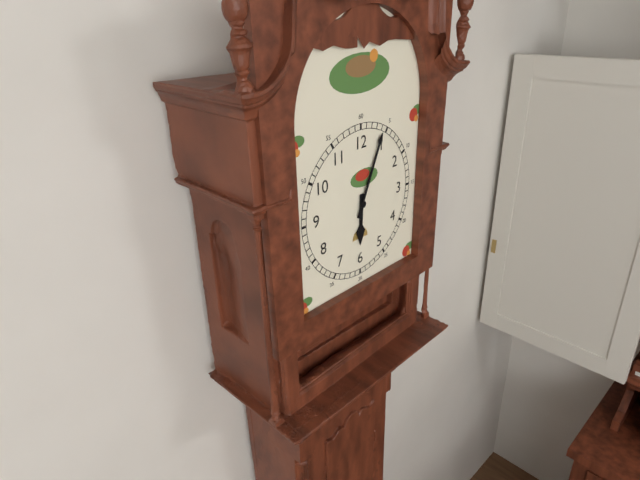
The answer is h=6 m=4
